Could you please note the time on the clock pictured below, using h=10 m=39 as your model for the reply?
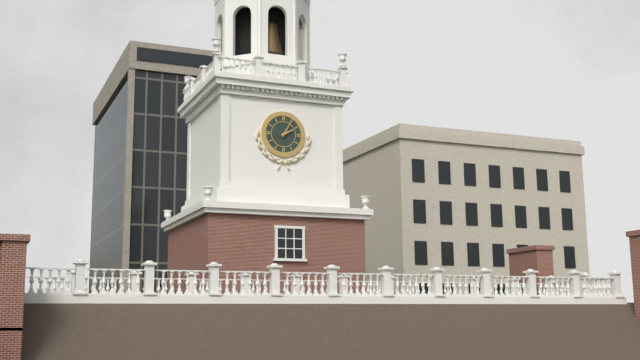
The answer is h=2 m=5
